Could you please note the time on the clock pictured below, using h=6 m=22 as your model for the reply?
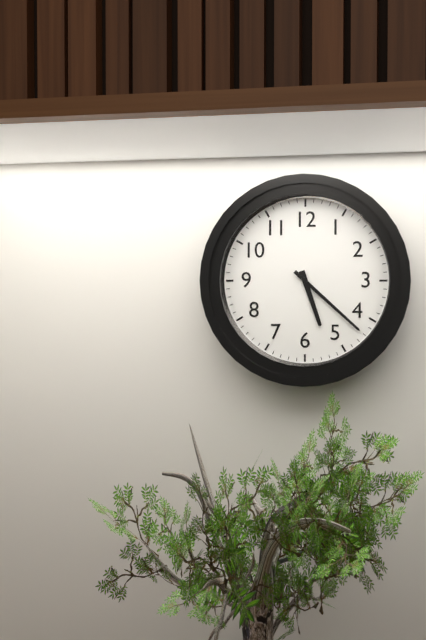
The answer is h=5 m=22
